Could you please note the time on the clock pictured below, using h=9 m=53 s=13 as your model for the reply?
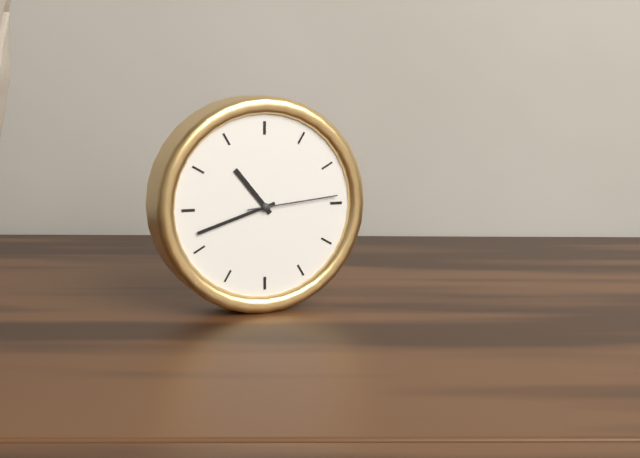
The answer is h=10 m=42 s=14
